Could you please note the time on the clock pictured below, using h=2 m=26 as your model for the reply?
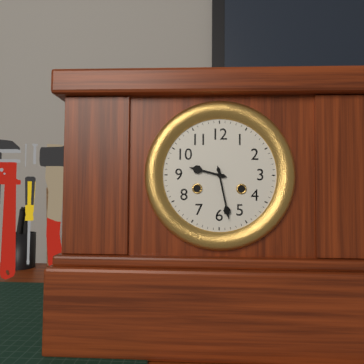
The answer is h=9 m=28
